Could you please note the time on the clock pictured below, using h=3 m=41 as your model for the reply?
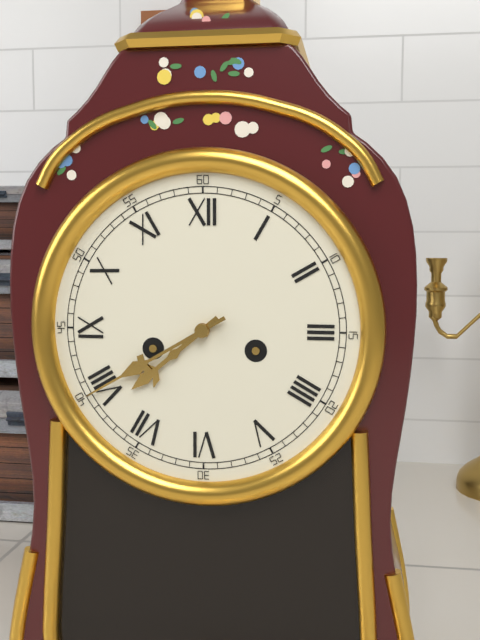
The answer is h=7 m=40
